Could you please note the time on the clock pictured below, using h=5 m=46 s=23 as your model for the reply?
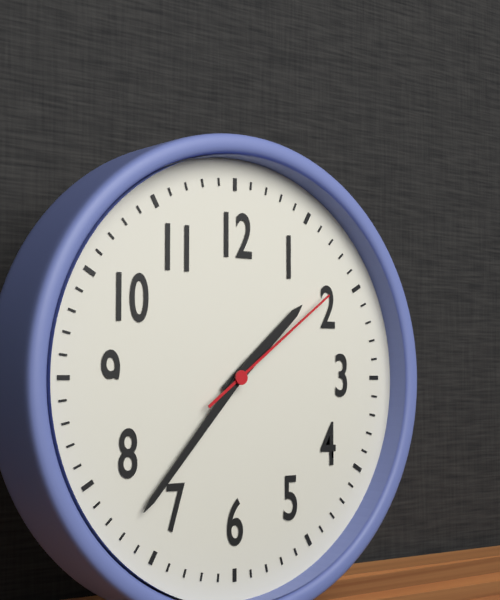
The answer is h=1 m=37 s=9
